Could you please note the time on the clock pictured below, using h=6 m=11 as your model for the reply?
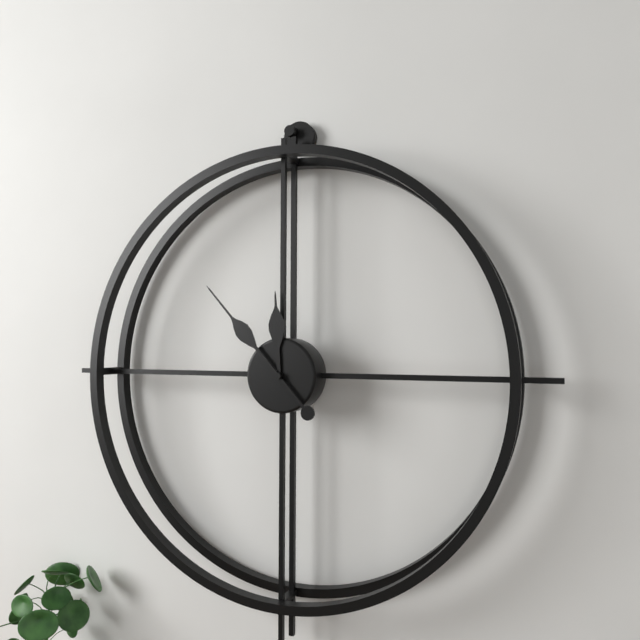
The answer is h=11 m=53
